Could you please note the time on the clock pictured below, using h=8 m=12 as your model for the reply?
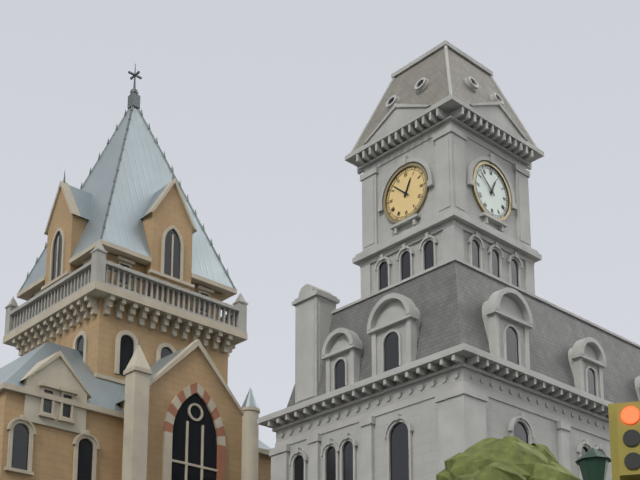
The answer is h=12 m=52
